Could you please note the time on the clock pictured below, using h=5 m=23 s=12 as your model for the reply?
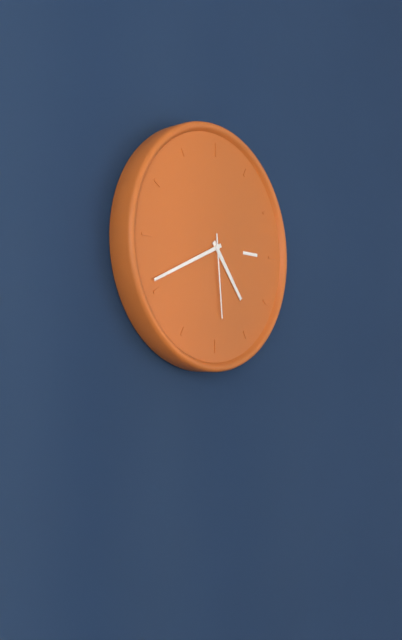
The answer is h=4 m=41 s=29
